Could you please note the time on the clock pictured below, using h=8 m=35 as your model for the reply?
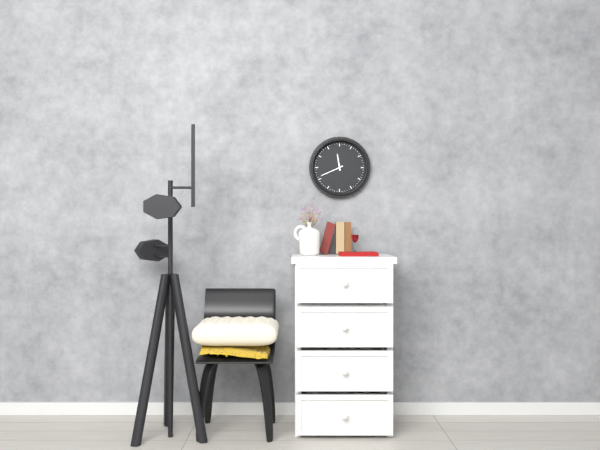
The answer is h=11 m=41
